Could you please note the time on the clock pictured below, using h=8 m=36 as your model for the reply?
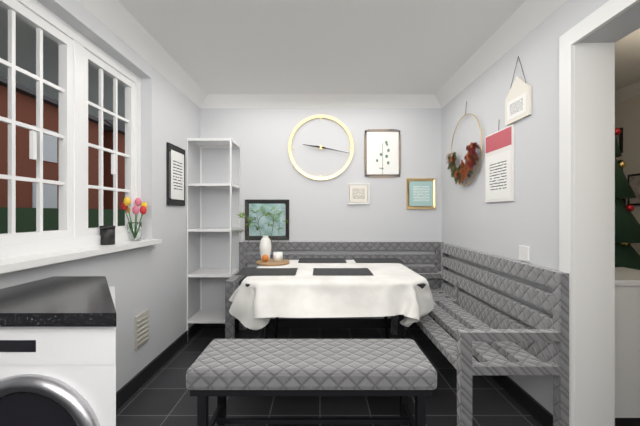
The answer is h=9 m=17
